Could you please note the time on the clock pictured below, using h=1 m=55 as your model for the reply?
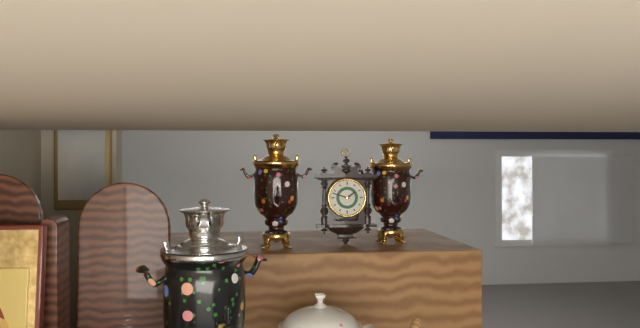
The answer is h=1 m=48
